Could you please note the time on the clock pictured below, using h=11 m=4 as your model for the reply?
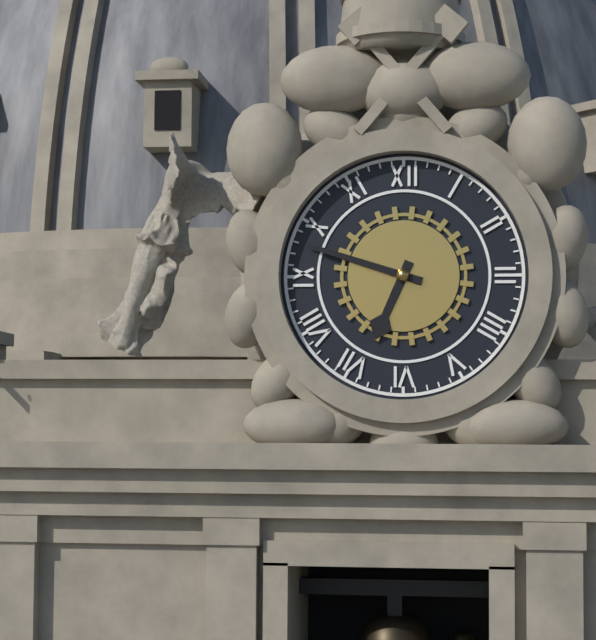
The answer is h=6 m=48
